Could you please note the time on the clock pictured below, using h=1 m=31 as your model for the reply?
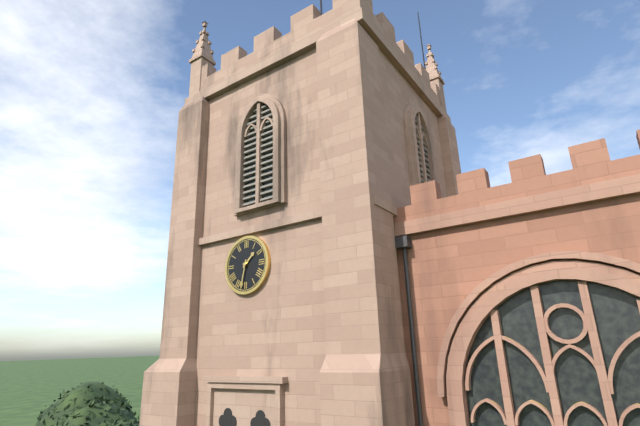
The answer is h=1 m=32
